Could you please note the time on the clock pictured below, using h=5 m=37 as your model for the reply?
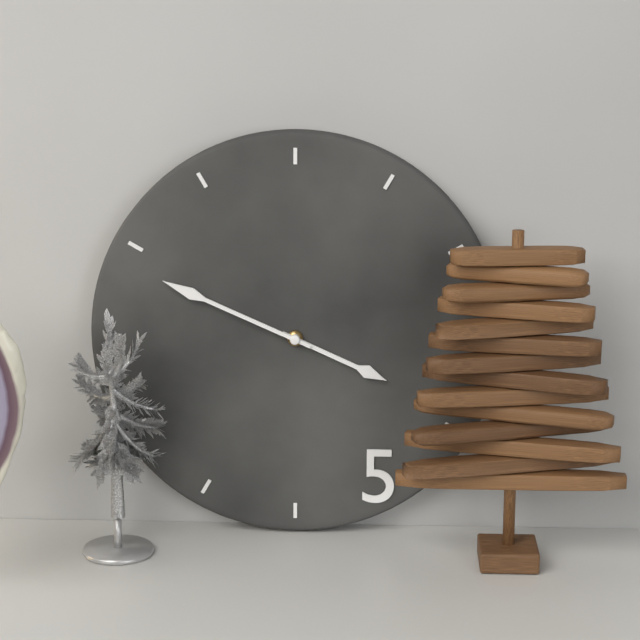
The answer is h=3 m=49
